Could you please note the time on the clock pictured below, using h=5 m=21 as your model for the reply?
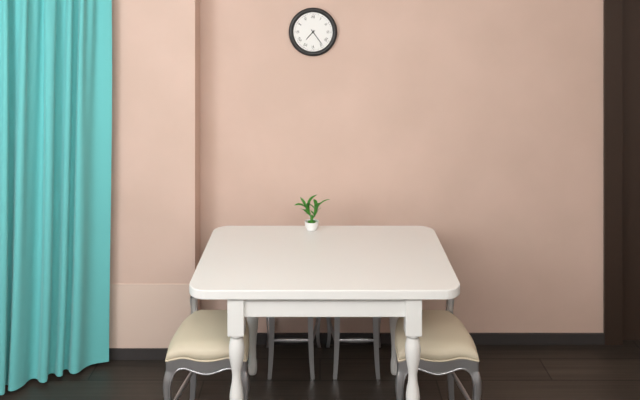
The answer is h=7 m=24
